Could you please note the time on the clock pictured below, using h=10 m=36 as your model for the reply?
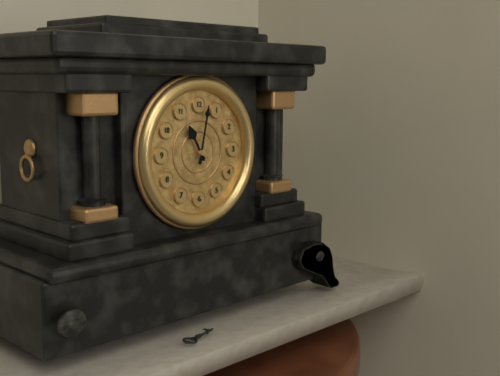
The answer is h=11 m=2
